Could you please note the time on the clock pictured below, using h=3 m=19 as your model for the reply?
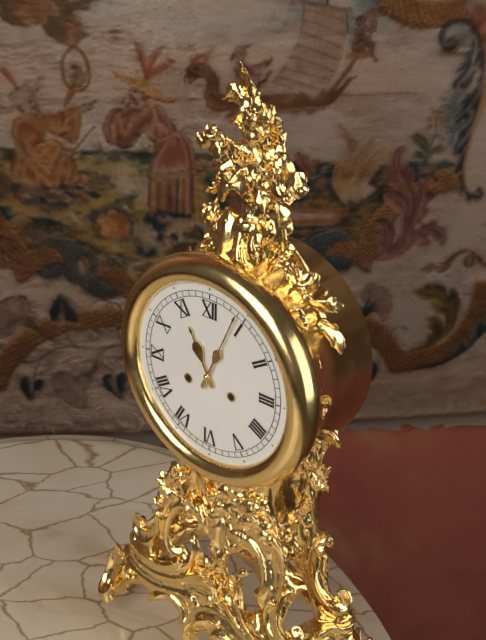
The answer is h=11 m=4
